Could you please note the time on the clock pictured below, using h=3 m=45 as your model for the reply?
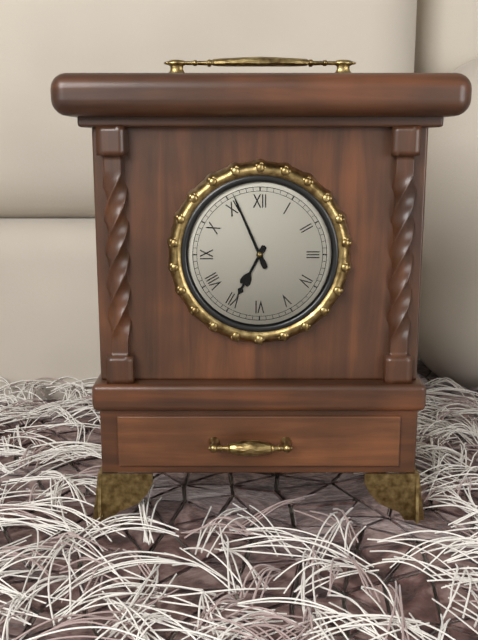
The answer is h=6 m=56
